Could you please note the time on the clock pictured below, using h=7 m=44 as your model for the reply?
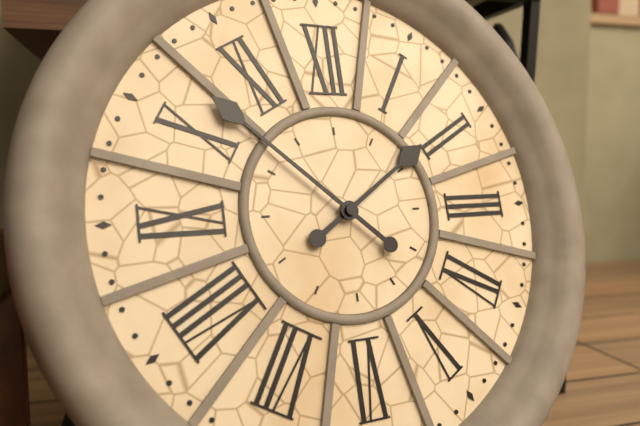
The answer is h=1 m=52
